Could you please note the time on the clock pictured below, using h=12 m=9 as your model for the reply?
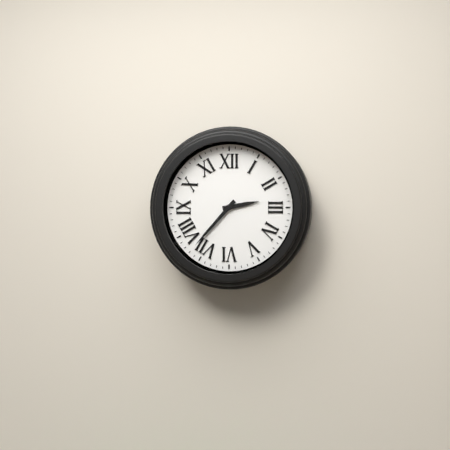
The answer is h=2 m=37
